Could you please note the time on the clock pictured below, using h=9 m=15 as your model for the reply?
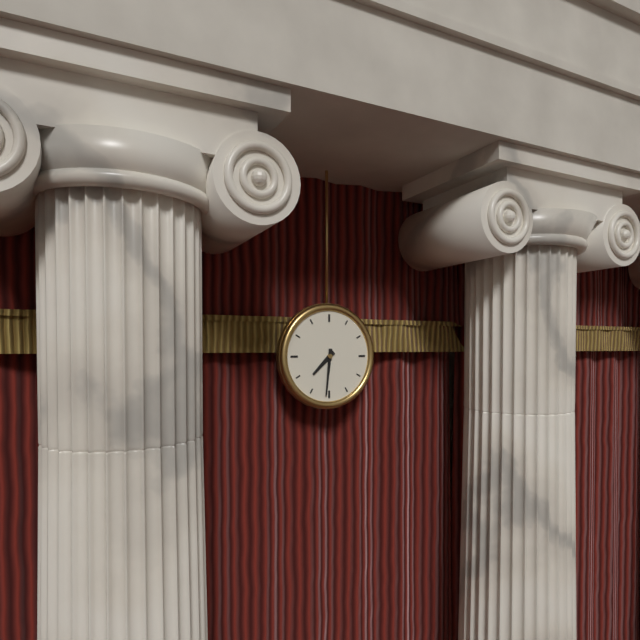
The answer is h=7 m=31
